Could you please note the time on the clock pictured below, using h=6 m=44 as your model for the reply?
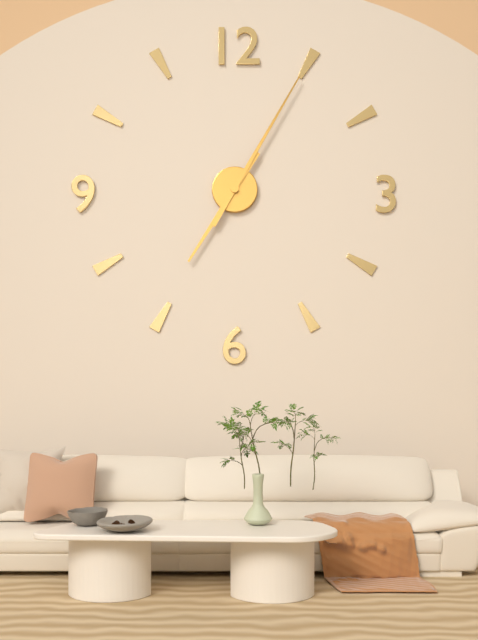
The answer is h=7 m=5
